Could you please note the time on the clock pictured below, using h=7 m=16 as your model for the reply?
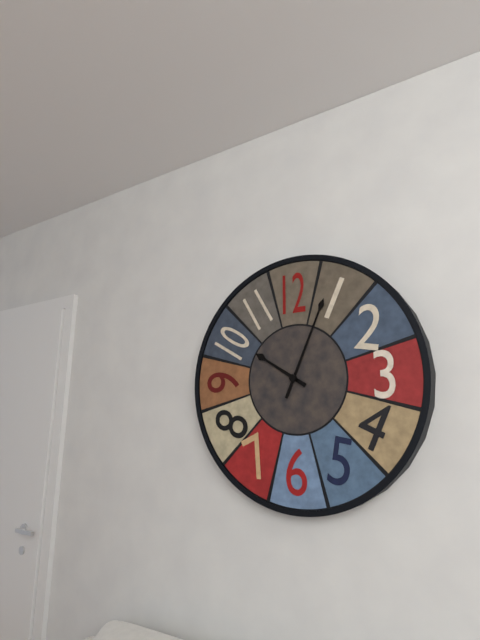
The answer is h=10 m=4
